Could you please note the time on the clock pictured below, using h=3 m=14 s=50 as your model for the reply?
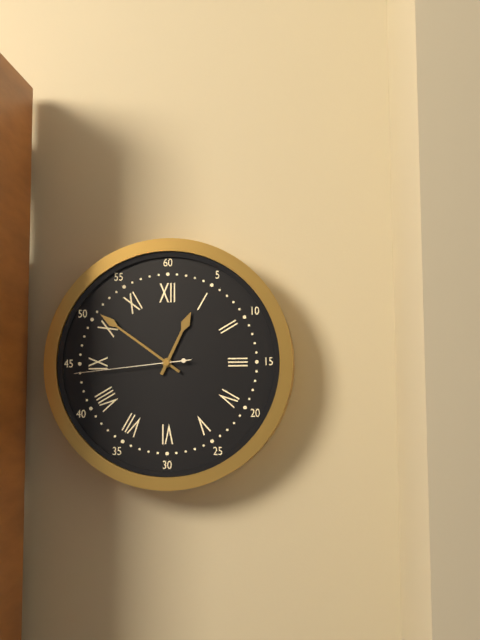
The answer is h=12 m=51 s=44
